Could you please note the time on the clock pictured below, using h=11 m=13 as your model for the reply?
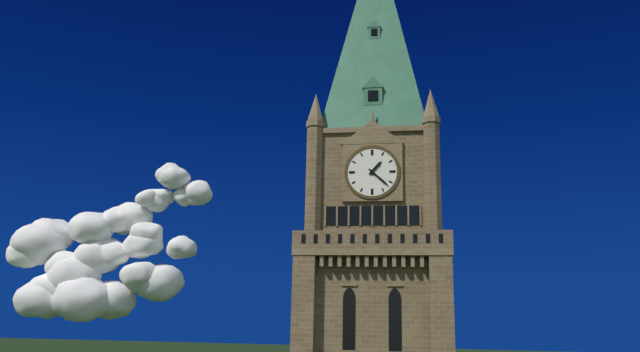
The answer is h=1 m=22
